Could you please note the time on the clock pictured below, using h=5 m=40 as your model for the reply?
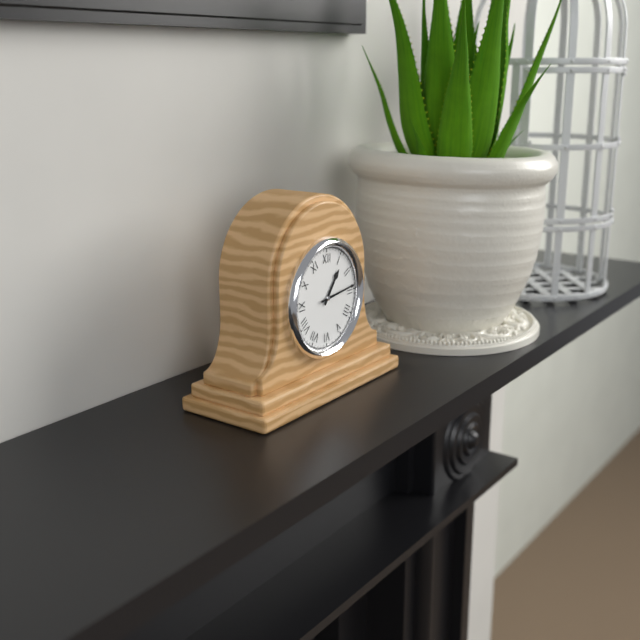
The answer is h=1 m=14
